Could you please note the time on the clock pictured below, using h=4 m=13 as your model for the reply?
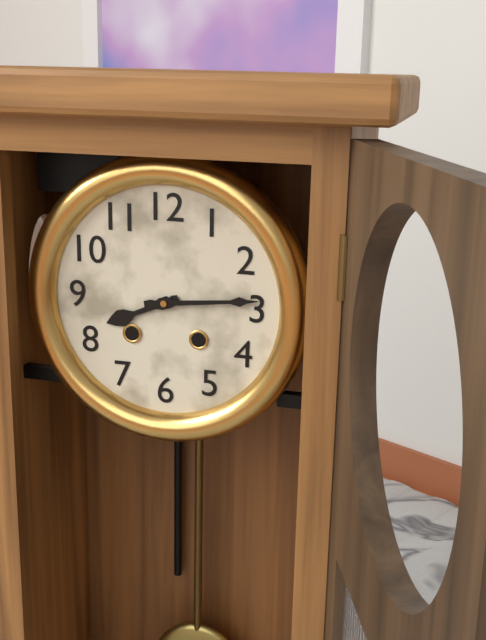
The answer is h=8 m=14
